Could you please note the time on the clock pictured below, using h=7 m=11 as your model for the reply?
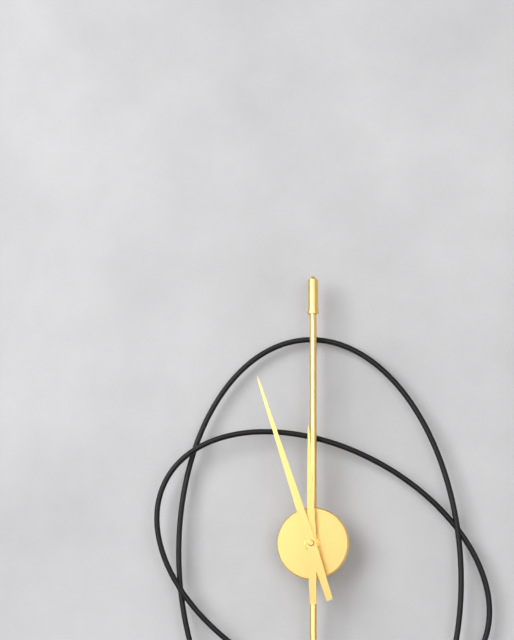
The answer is h=11 m=57
